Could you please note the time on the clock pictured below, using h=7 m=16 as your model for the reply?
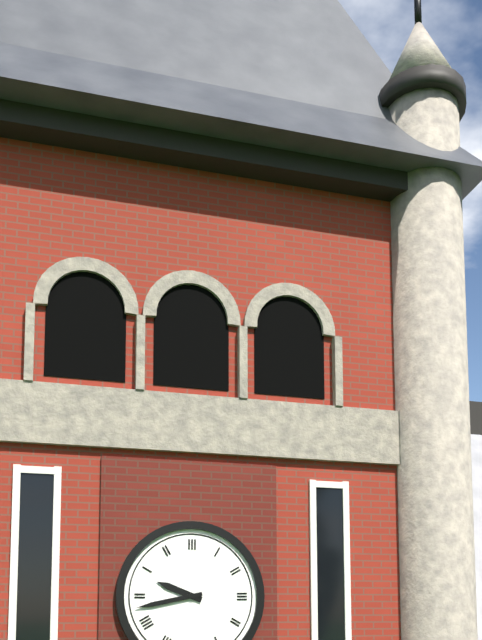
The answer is h=9 m=43
